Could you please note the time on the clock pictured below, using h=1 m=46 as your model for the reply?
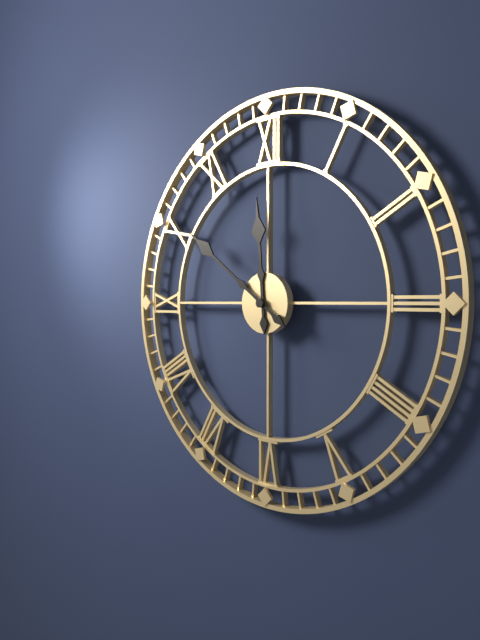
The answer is h=11 m=51
